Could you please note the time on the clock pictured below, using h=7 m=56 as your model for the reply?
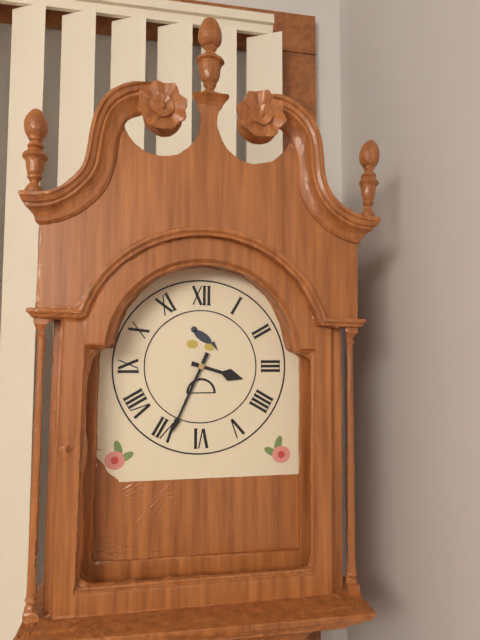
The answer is h=3 m=34
